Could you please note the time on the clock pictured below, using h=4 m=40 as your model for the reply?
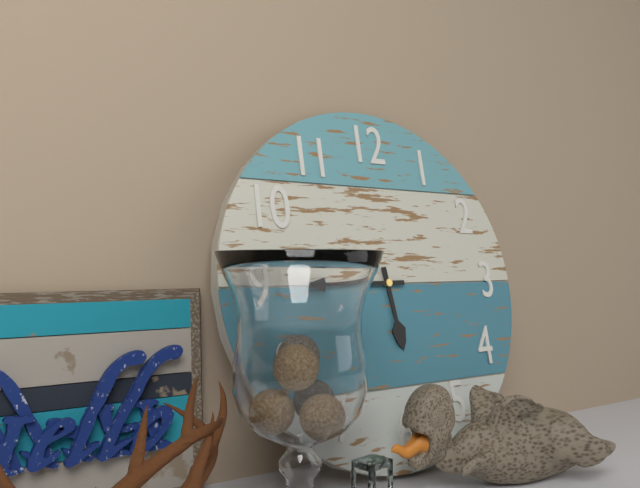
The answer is h=5 m=45
